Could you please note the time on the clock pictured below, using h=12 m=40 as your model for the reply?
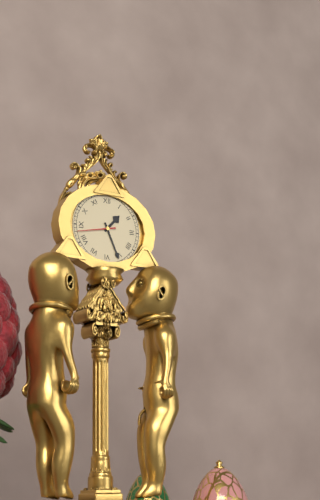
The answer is h=1 m=26
